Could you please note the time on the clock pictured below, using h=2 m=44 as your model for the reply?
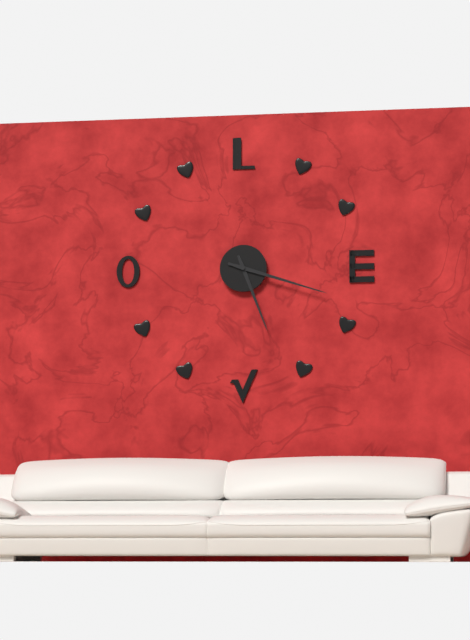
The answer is h=5 m=18
